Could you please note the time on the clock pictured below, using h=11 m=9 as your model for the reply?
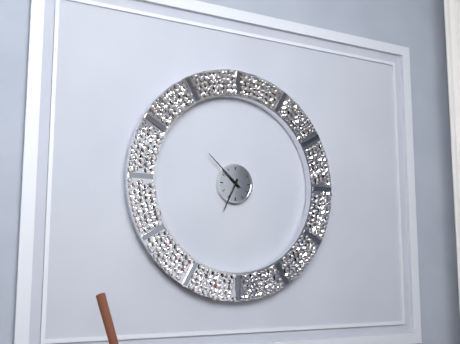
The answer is h=6 m=52
